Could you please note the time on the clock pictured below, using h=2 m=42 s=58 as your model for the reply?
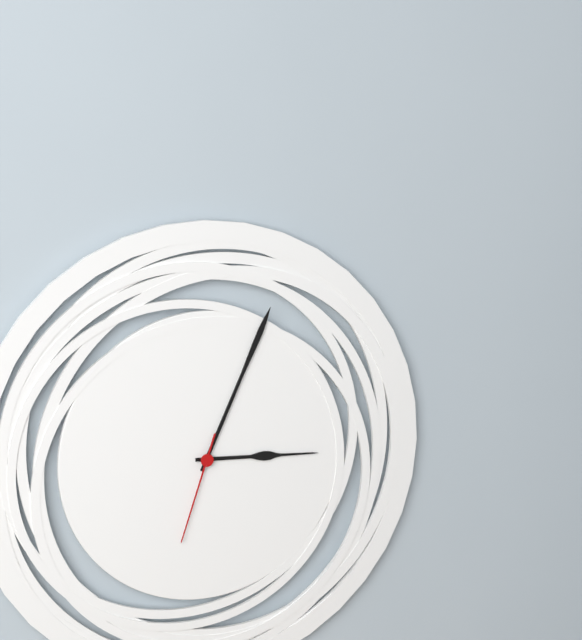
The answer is h=3 m=4 s=33
